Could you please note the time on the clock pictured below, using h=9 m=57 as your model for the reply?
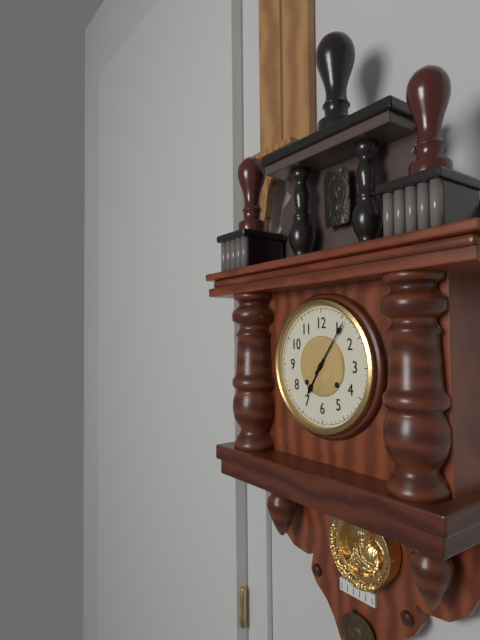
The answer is h=7 m=6
